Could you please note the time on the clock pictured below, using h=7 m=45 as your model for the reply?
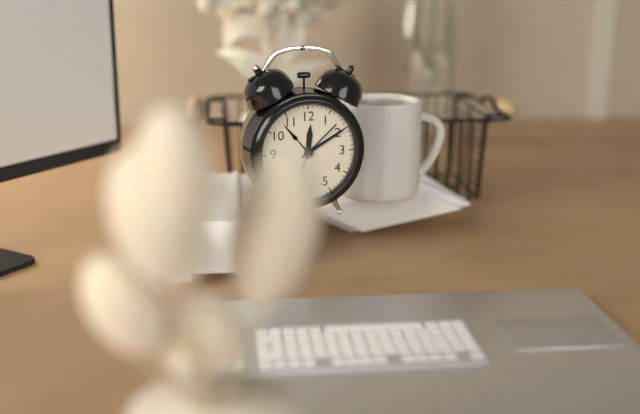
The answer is h=12 m=10
